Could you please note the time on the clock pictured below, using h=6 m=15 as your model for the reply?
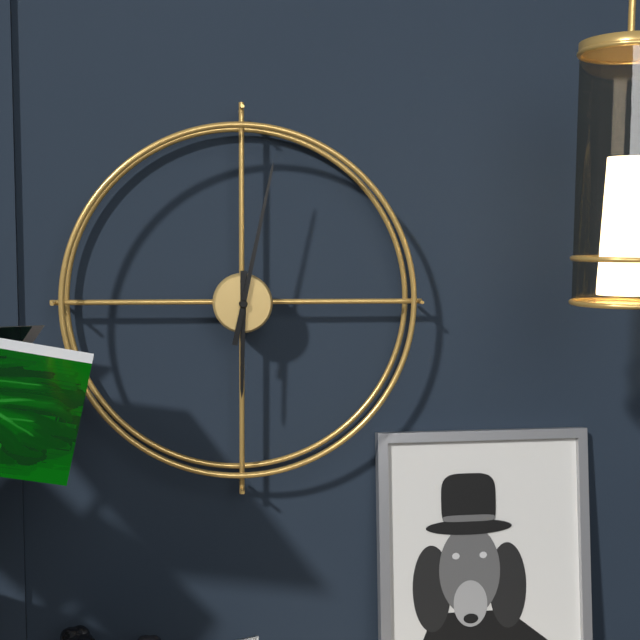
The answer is h=6 m=2
